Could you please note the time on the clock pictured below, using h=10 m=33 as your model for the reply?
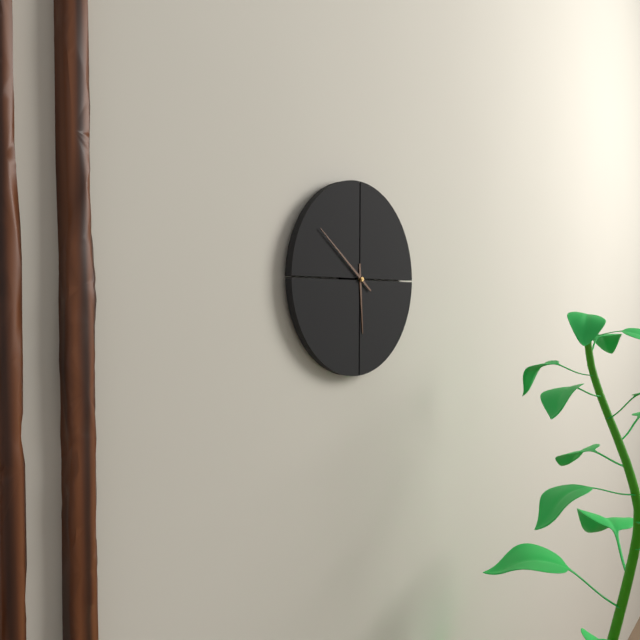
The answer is h=5 m=51
